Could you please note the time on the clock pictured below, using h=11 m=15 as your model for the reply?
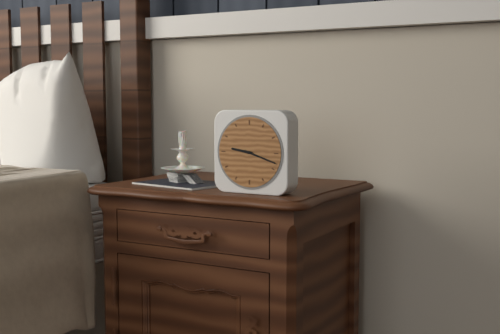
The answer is h=9 m=18
